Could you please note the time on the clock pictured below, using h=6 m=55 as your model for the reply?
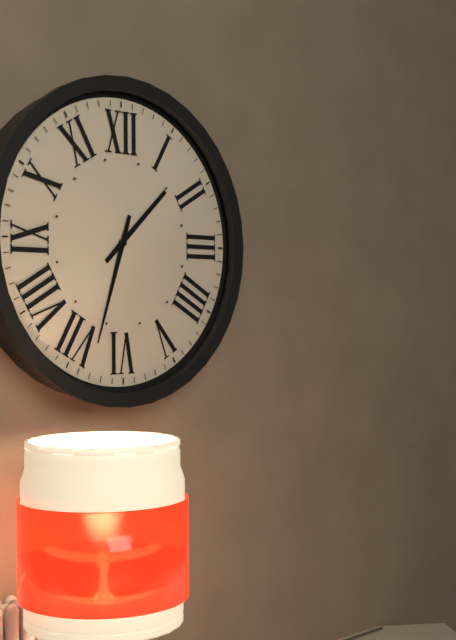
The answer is h=1 m=33
